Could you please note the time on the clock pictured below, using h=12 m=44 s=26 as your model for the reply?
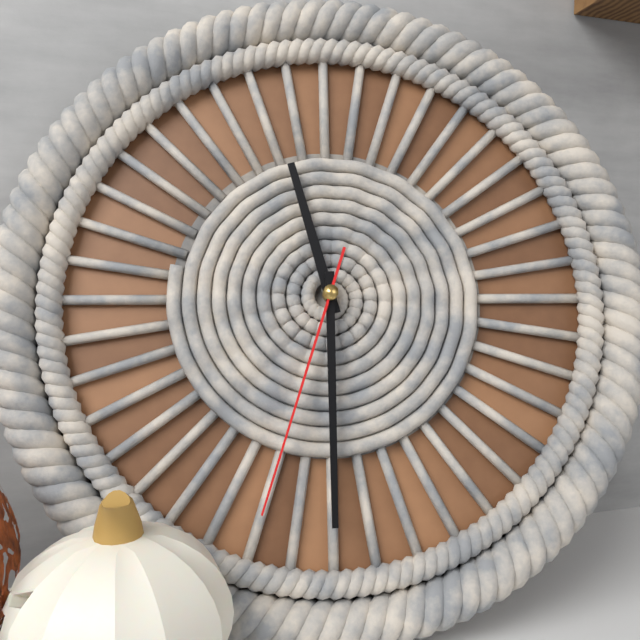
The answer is h=11 m=30 s=33
